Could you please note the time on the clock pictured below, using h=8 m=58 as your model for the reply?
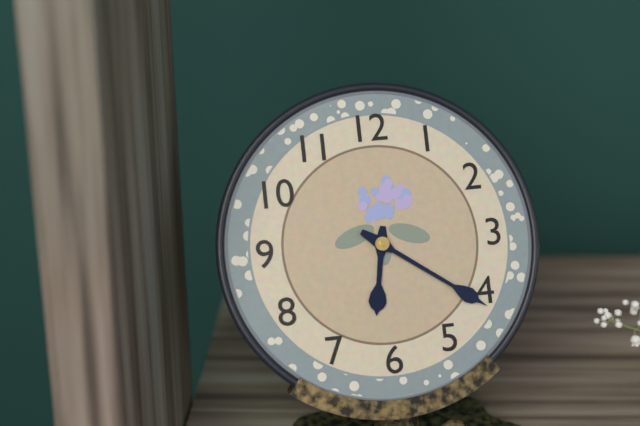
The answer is h=6 m=21
